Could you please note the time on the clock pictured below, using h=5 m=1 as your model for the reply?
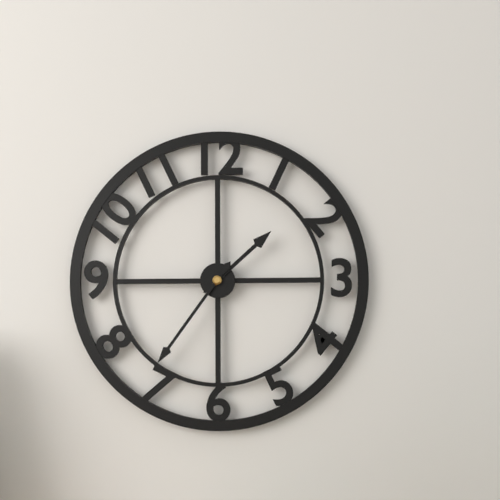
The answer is h=1 m=36
